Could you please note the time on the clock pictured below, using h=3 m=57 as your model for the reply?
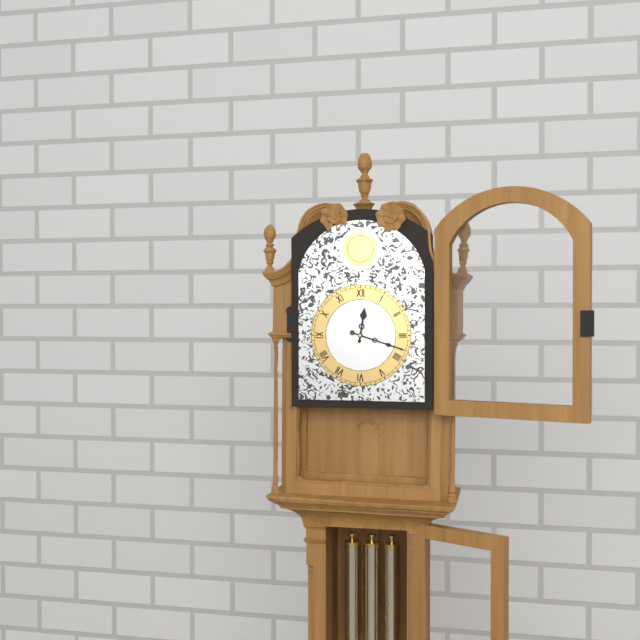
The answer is h=12 m=18
